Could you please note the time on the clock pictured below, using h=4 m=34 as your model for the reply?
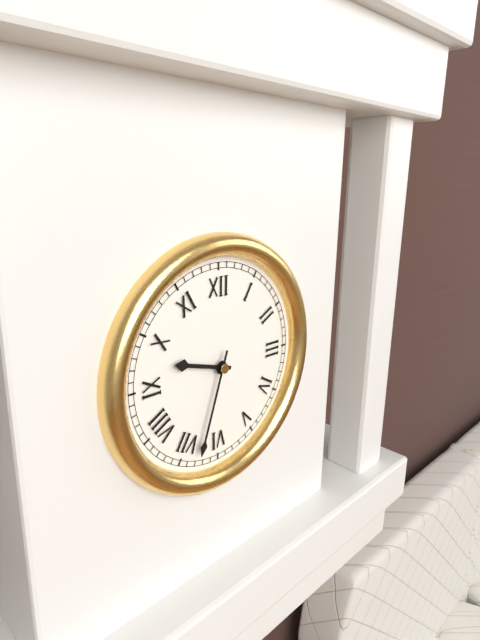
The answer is h=9 m=33
